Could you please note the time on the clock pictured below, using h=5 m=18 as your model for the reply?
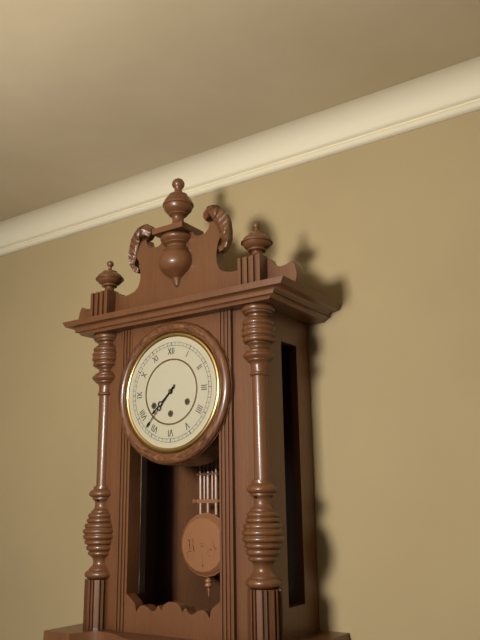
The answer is h=7 m=37
